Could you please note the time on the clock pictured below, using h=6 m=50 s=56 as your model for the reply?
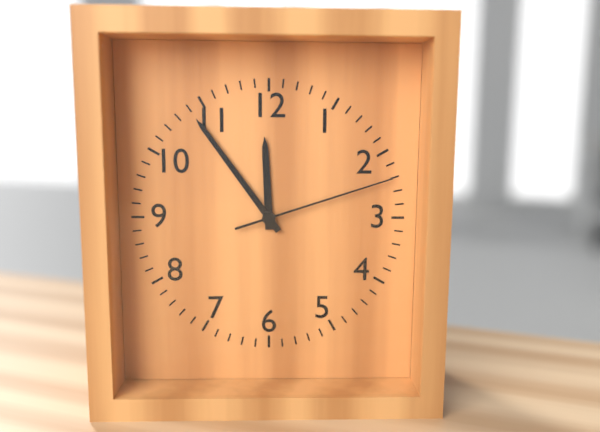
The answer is h=11 m=54 s=12
